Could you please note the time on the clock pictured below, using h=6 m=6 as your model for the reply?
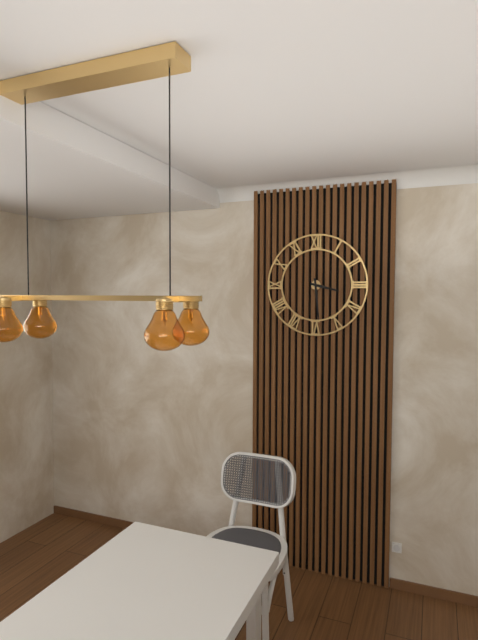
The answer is h=3 m=29
